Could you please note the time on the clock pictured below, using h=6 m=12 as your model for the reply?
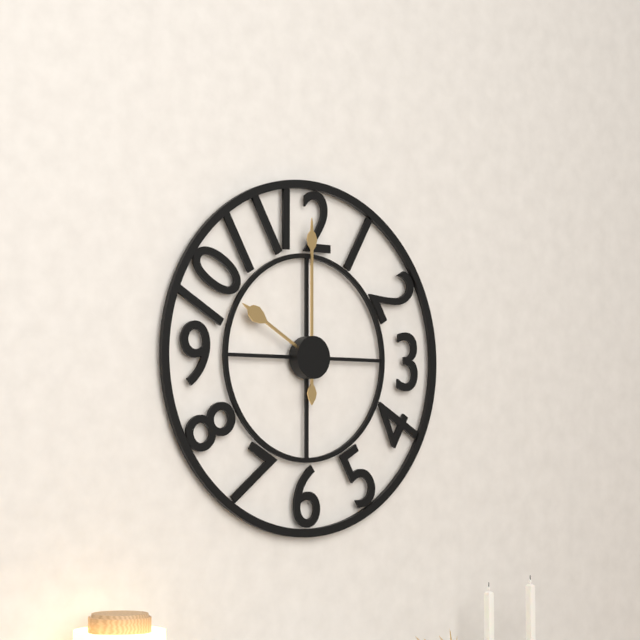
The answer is h=10 m=0
